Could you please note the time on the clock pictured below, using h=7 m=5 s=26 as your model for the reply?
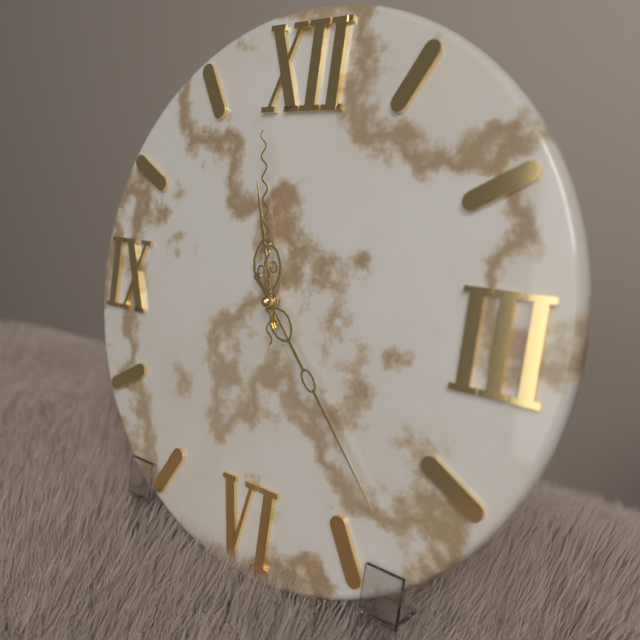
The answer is h=11 m=23 s=58
